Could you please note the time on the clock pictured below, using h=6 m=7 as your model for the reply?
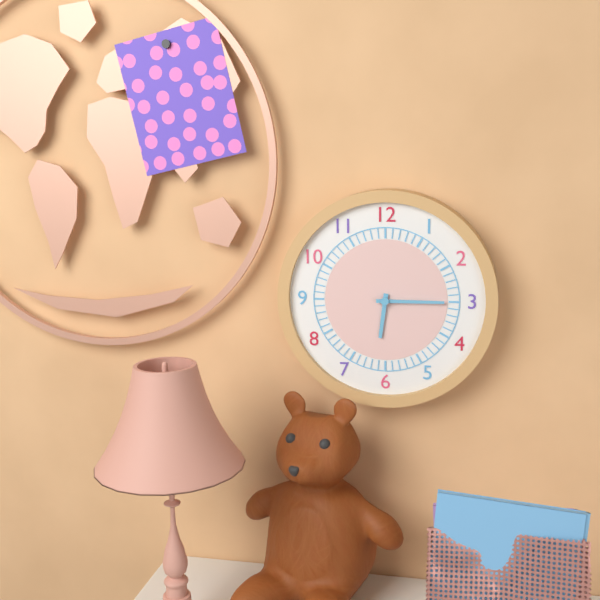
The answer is h=6 m=15
